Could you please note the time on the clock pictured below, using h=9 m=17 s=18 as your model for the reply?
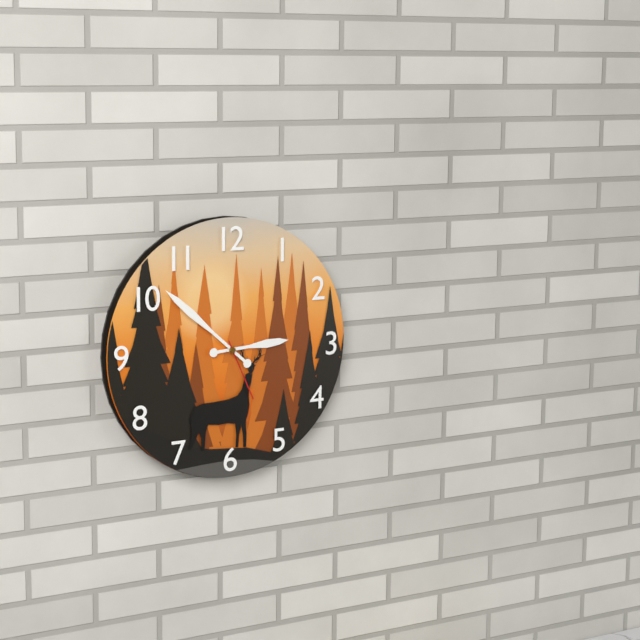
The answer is h=2 m=52 s=26
